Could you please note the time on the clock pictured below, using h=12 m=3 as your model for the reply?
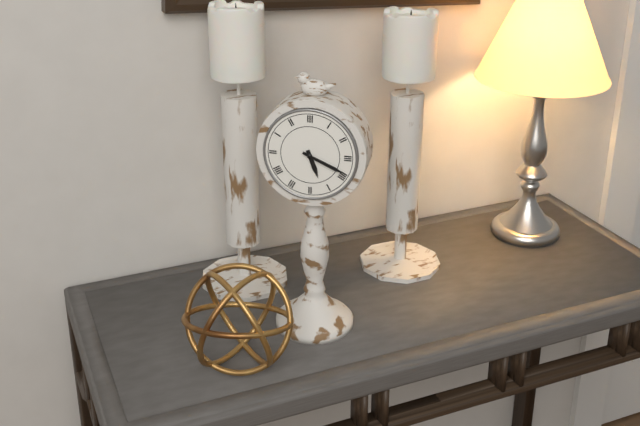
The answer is h=5 m=19
